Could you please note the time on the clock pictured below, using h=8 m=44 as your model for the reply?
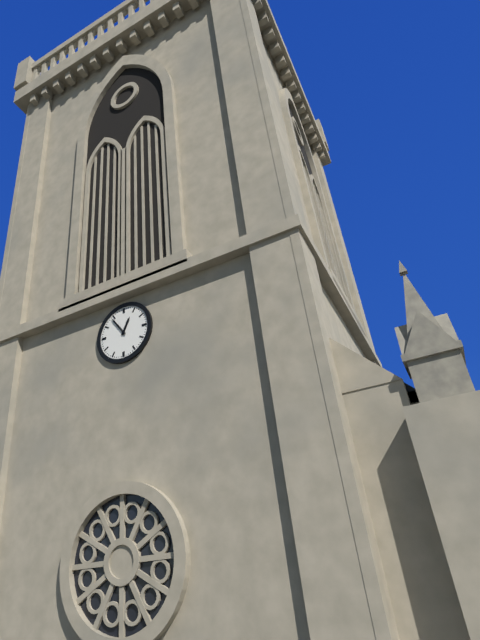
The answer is h=12 m=54
